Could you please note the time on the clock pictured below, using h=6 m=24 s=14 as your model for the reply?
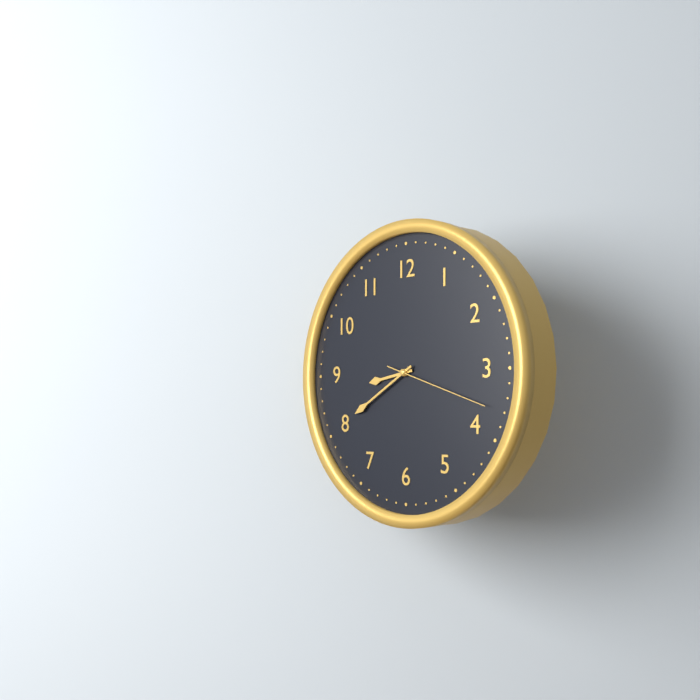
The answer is h=8 m=40 s=18
